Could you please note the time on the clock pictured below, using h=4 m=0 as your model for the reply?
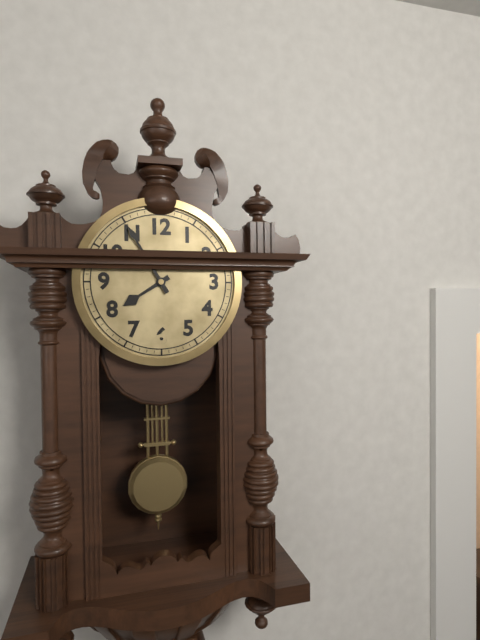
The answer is h=7 m=55
